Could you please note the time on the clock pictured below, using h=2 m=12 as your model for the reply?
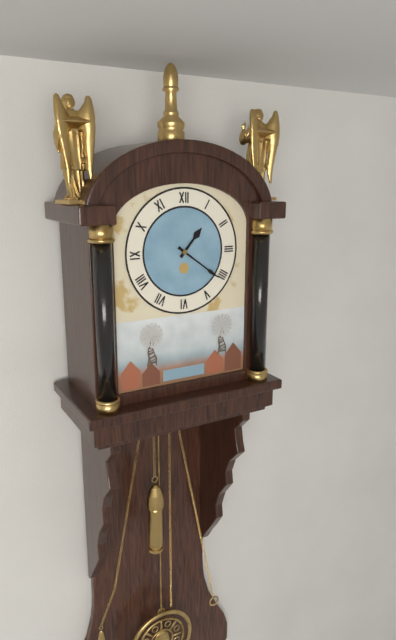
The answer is h=1 m=21
